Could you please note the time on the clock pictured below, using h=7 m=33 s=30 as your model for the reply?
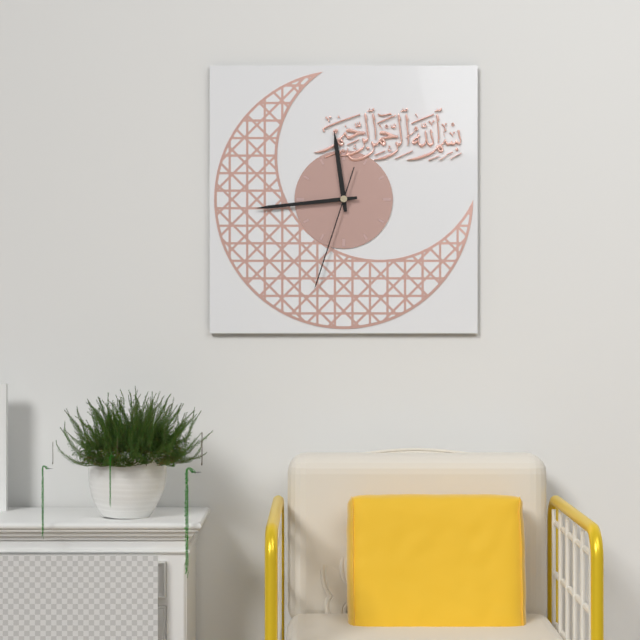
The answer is h=11 m=44 s=33
